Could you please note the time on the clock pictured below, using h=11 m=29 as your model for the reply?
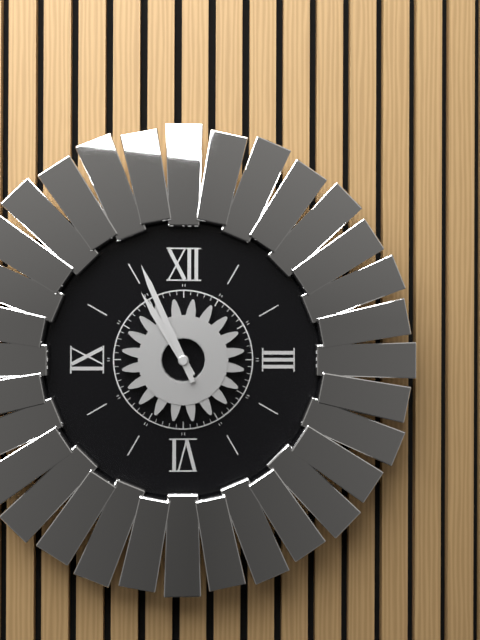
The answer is h=10 m=56
